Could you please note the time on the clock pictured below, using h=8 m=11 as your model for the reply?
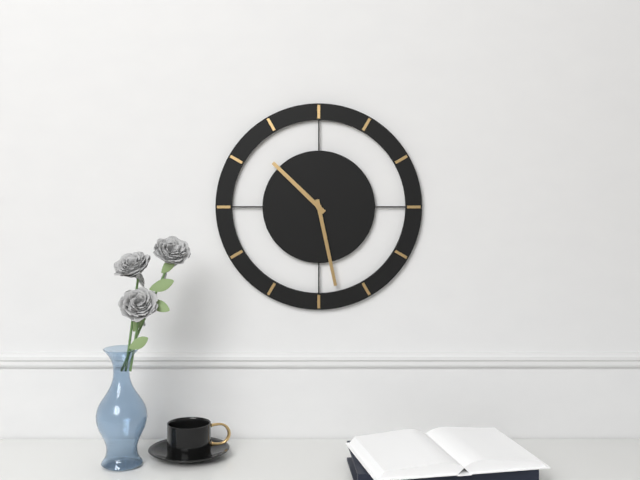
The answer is h=10 m=28
